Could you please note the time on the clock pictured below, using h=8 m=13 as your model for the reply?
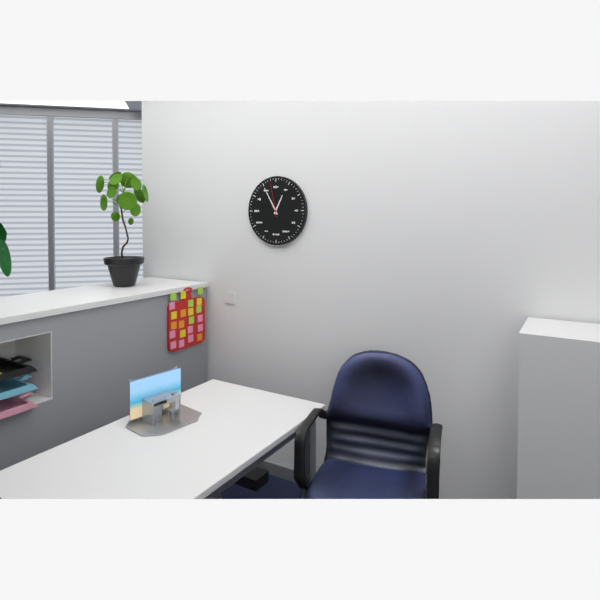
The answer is h=12 m=55
